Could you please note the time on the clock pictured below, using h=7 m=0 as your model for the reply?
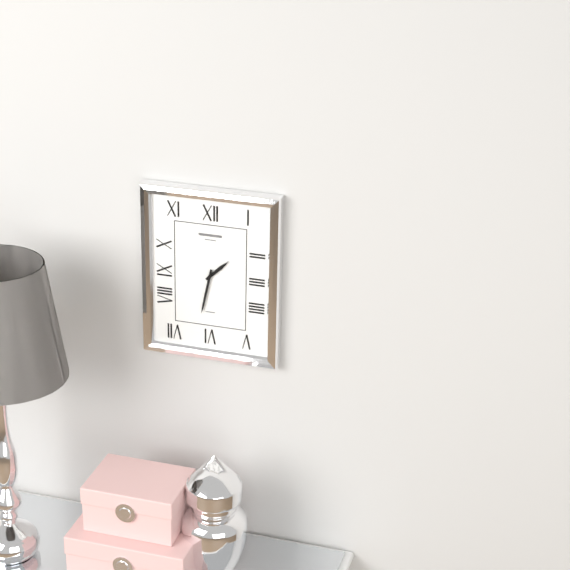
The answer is h=1 m=32
